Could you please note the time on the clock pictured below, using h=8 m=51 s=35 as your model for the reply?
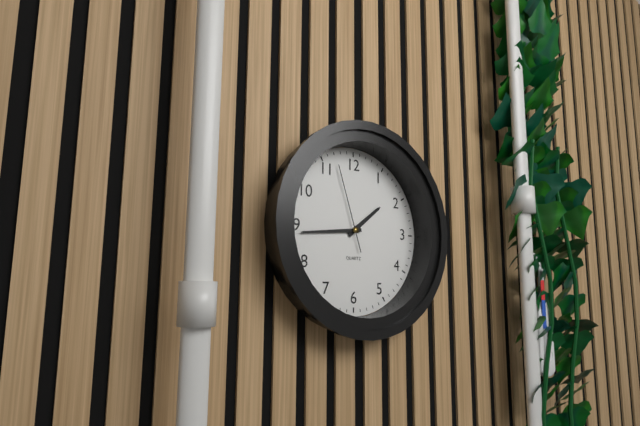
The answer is h=1 m=44 s=57
